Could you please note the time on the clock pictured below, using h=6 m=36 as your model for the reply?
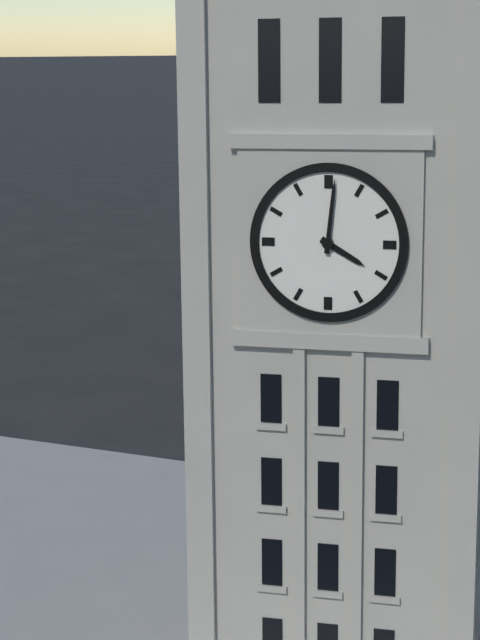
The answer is h=4 m=1
